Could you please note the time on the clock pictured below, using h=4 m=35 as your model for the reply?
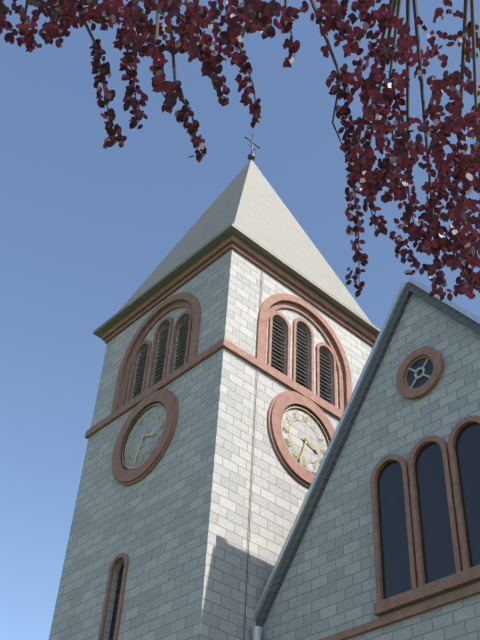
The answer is h=3 m=33
